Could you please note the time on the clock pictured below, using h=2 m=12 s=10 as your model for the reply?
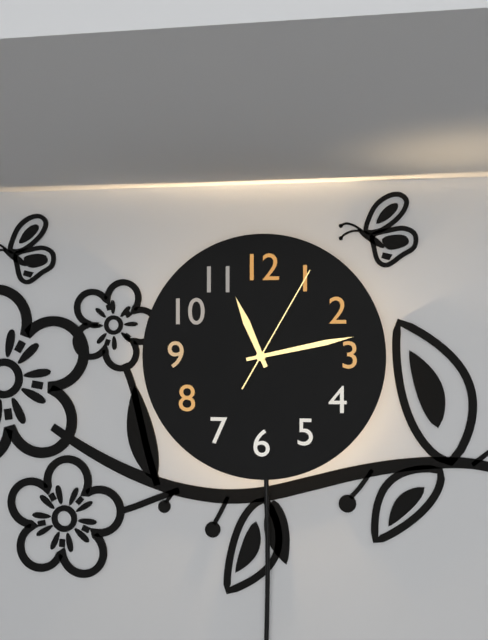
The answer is h=11 m=13 s=5
